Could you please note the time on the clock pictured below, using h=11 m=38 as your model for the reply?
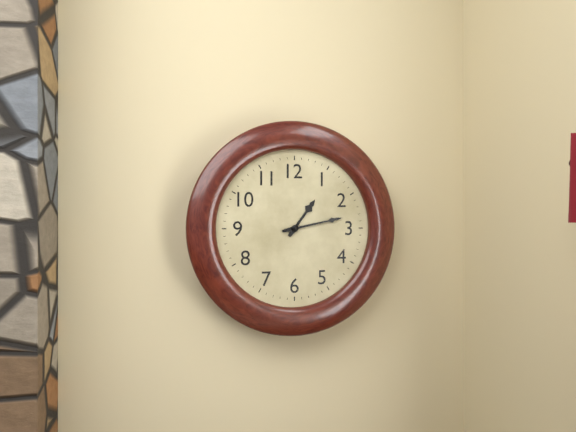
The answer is h=1 m=13
